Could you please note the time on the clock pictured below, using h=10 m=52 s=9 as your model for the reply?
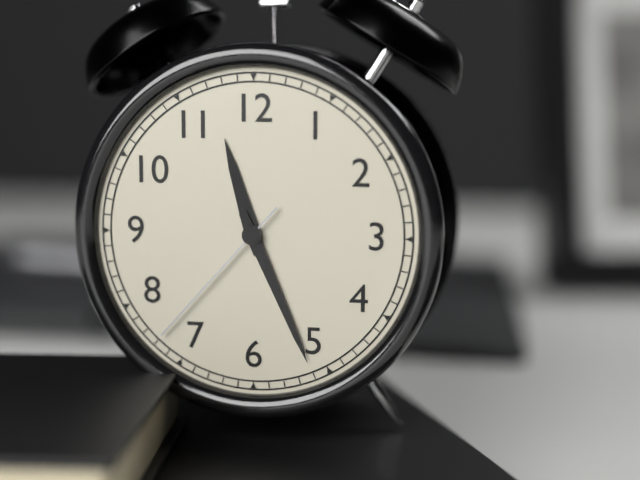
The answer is h=11 m=26 s=37
